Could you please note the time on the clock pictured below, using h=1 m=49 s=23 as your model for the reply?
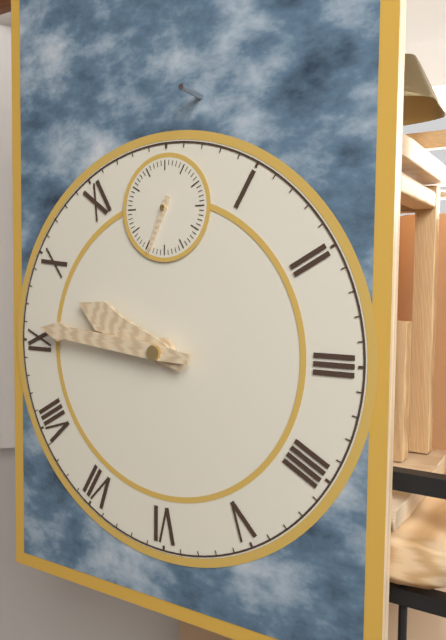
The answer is h=9 m=46 s=34
